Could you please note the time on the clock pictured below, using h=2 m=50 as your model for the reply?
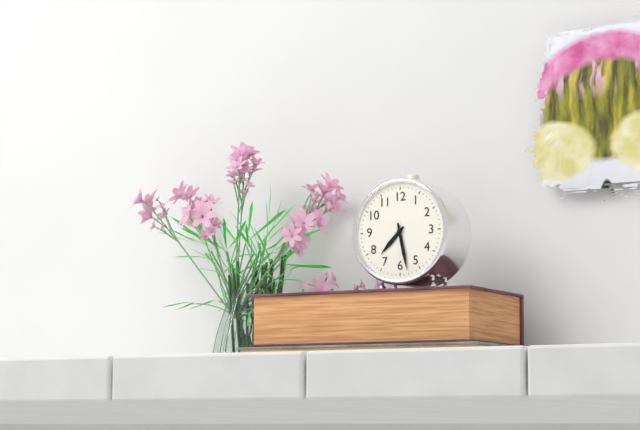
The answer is h=7 m=28
